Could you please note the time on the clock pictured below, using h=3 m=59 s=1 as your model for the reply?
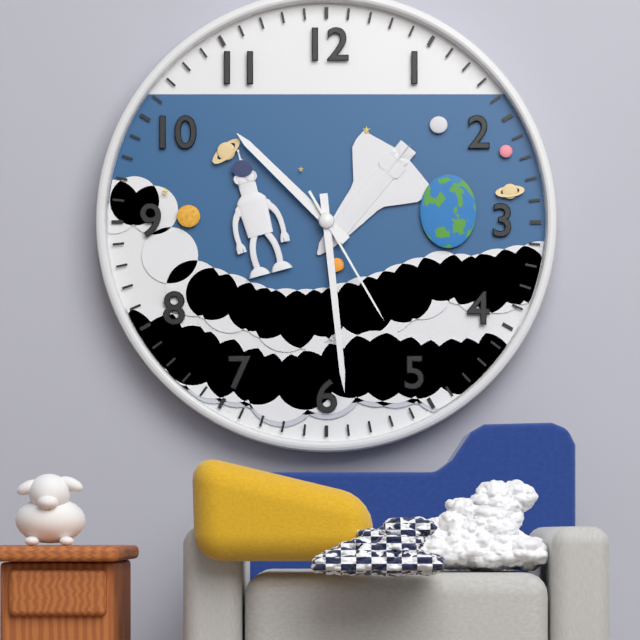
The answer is h=10 m=29 s=25
